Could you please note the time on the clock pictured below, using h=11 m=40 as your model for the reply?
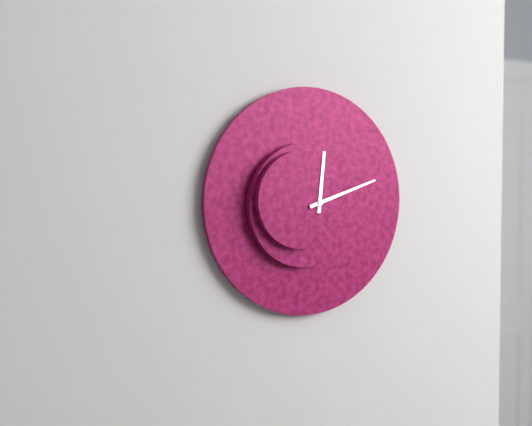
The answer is h=12 m=12
